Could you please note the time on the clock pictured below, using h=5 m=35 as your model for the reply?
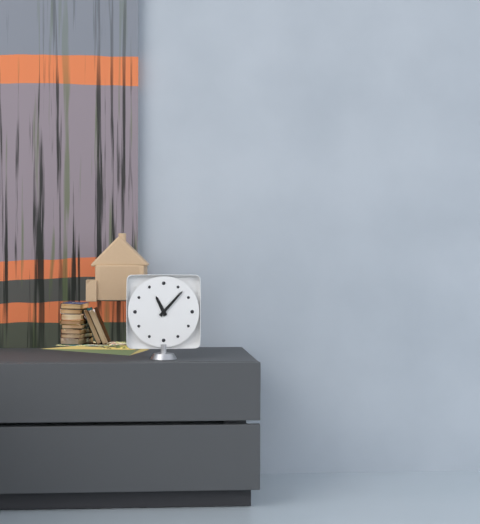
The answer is h=11 m=7
